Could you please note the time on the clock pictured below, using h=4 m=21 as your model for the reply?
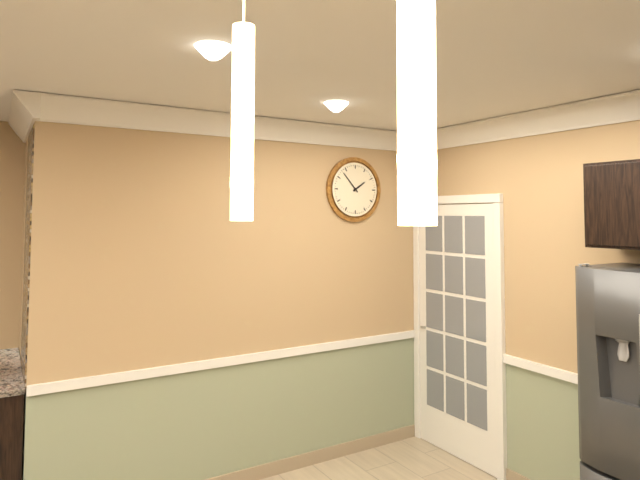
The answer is h=1 m=53
